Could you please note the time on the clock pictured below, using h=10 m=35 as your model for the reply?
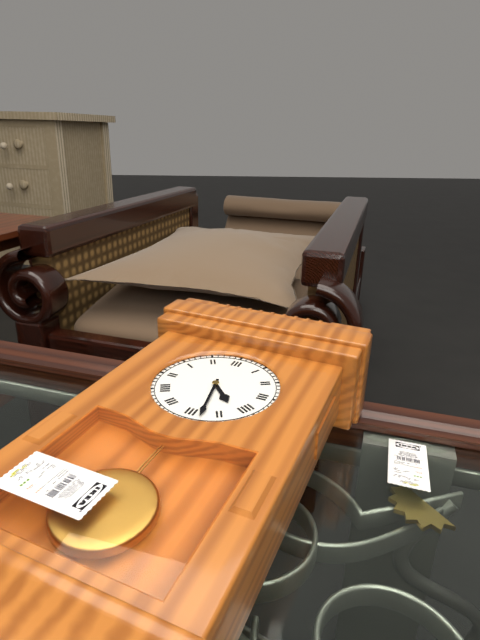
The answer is h=4 m=28
